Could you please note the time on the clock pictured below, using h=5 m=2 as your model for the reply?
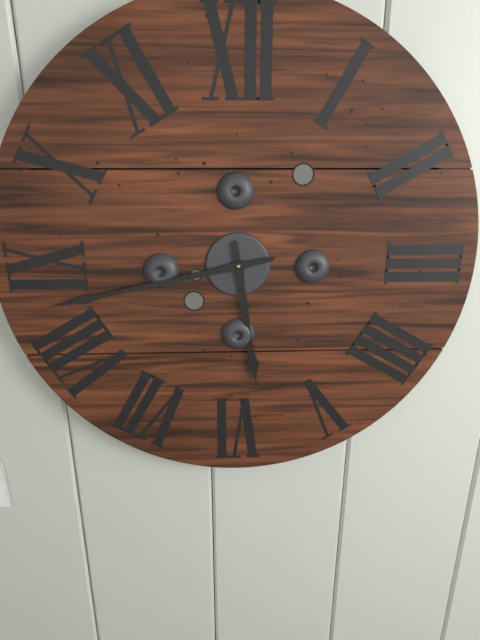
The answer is h=5 m=43
